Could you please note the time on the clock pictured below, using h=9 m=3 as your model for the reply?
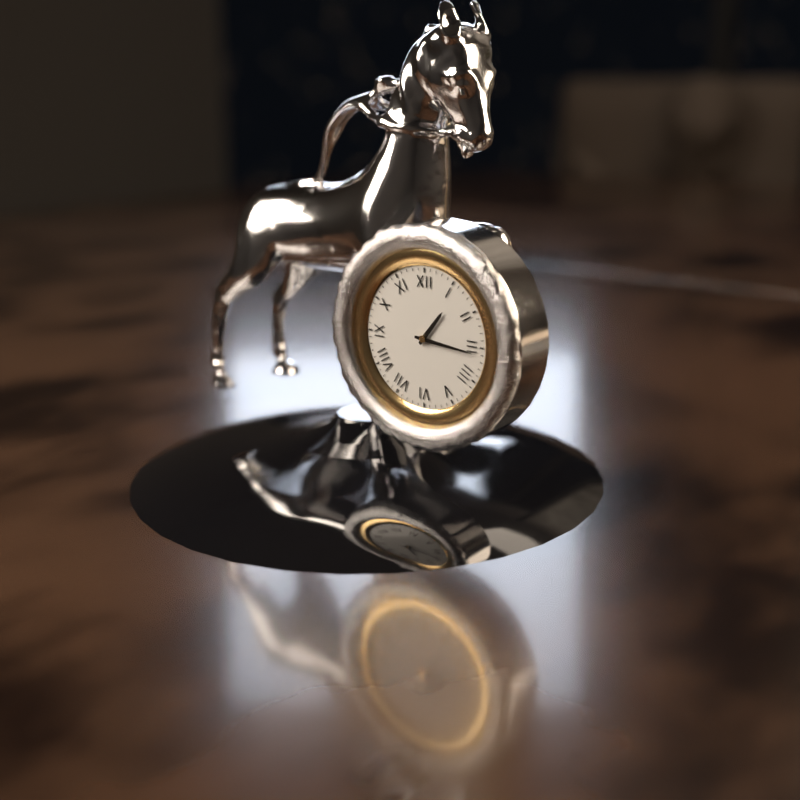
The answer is h=1 m=16
